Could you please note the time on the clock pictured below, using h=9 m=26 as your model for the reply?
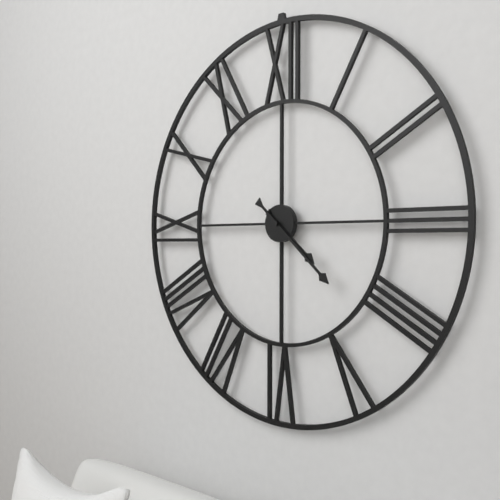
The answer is h=4 m=22
